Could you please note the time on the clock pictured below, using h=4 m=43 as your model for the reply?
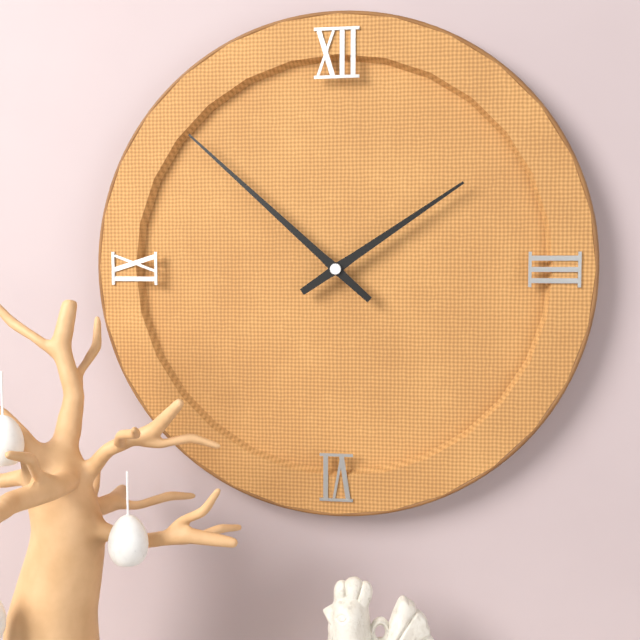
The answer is h=1 m=52
